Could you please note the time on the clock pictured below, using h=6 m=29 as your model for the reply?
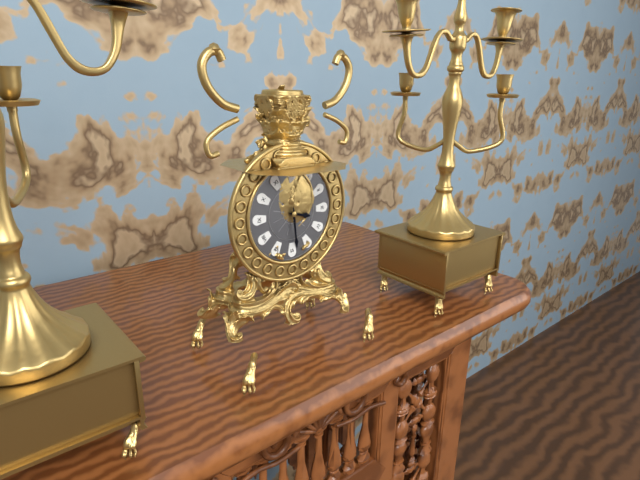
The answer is h=3 m=29
